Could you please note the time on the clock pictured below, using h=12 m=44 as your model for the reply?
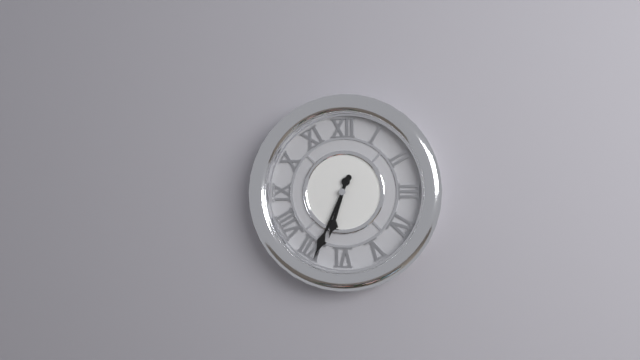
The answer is h=6 m=34
